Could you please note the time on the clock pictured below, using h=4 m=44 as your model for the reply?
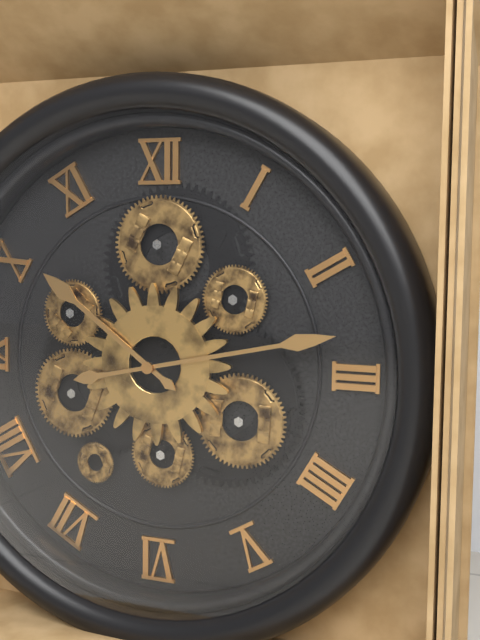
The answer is h=10 m=13
